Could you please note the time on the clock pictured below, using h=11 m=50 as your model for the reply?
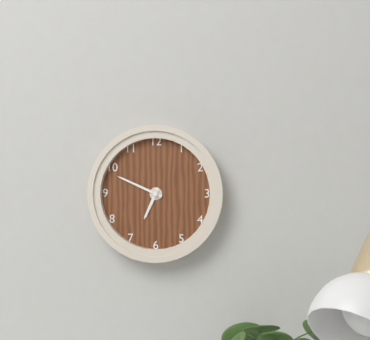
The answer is h=6 m=49
